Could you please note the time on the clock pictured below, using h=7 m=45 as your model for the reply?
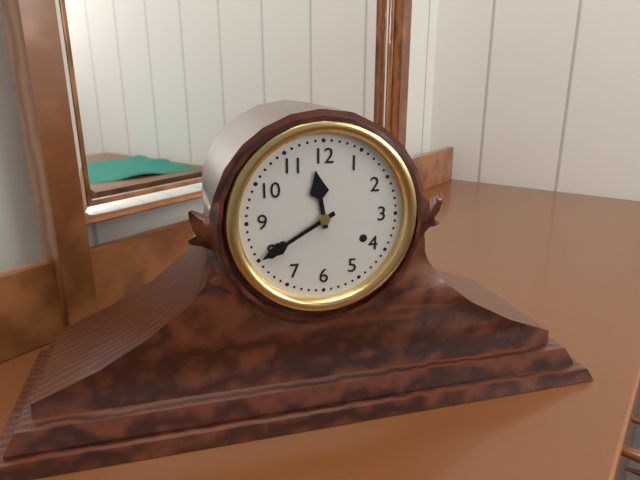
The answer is h=11 m=40
